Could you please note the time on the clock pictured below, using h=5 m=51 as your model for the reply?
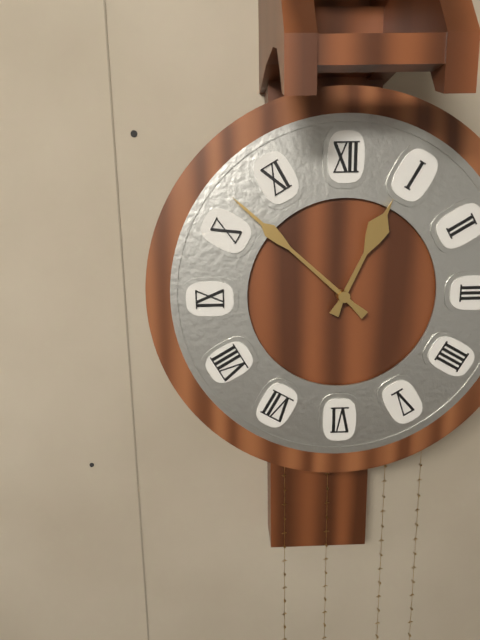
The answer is h=12 m=52
